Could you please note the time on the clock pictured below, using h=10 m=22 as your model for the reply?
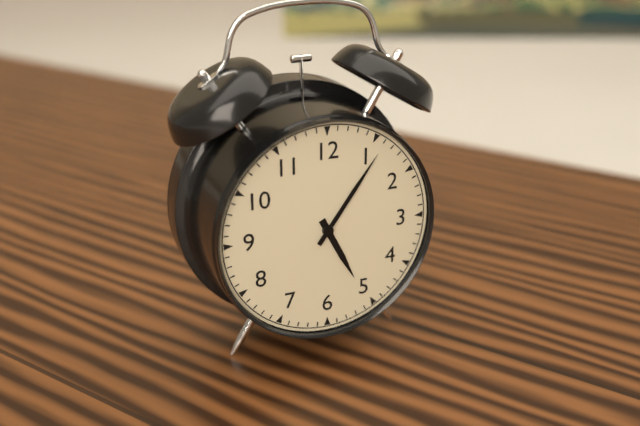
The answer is h=5 m=6
